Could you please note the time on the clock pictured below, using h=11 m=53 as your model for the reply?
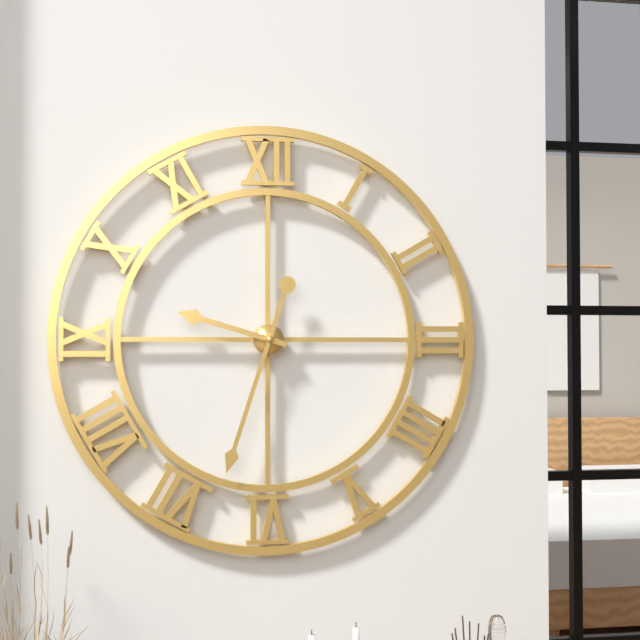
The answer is h=9 m=33
